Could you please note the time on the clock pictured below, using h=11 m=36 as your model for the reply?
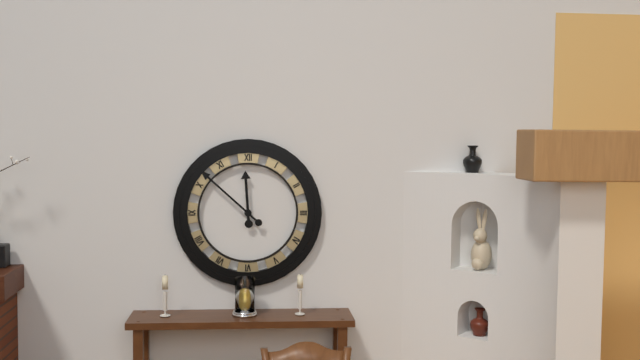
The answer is h=11 m=52
